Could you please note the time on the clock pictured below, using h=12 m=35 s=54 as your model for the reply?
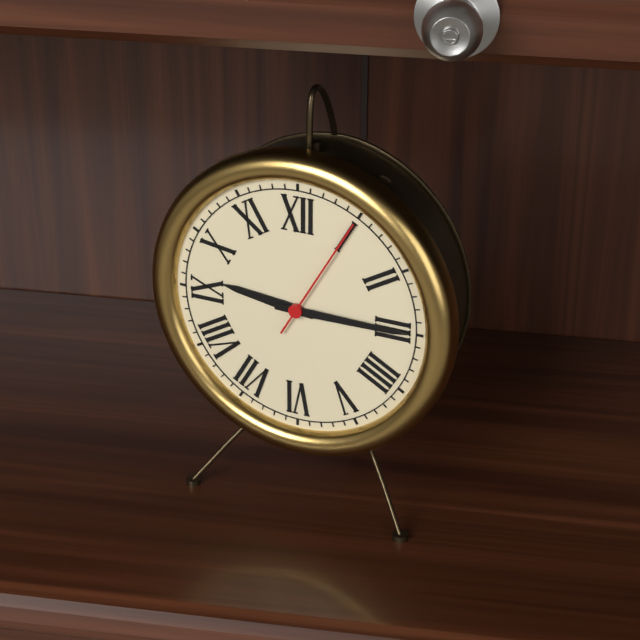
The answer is h=9 m=15 s=5
